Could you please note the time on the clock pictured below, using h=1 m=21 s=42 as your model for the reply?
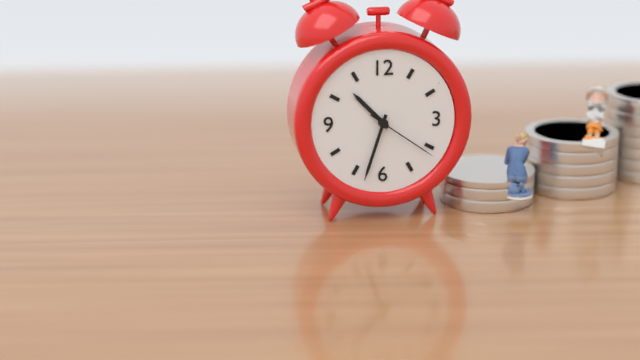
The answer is h=10 m=33 s=21
